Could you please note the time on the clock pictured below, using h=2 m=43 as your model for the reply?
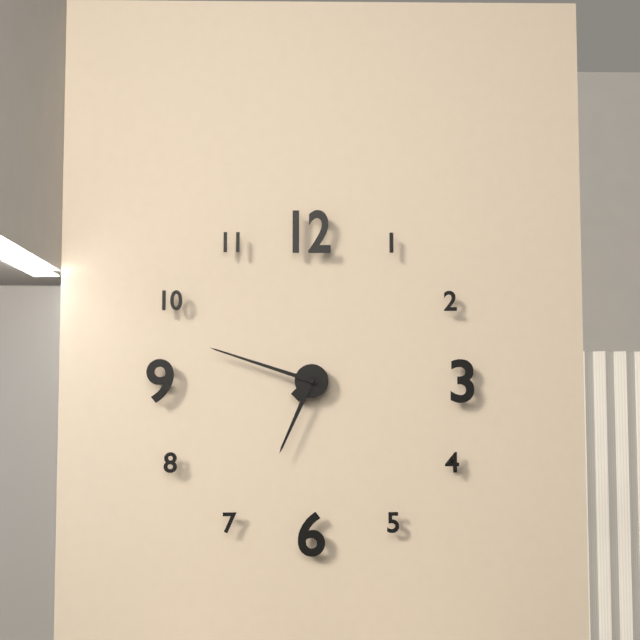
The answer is h=6 m=48
